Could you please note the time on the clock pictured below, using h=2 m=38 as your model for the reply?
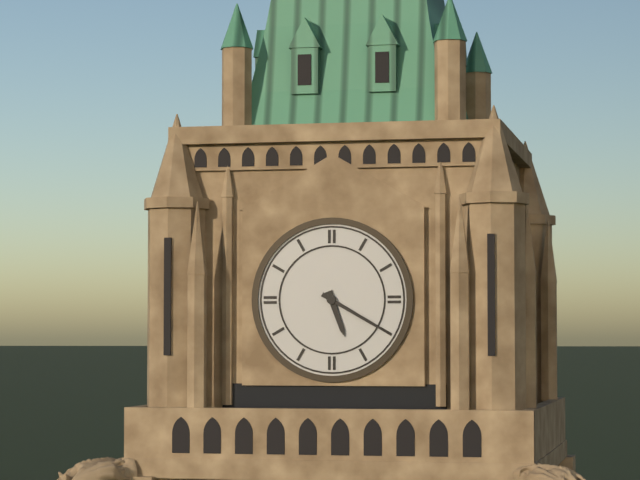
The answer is h=5 m=20
